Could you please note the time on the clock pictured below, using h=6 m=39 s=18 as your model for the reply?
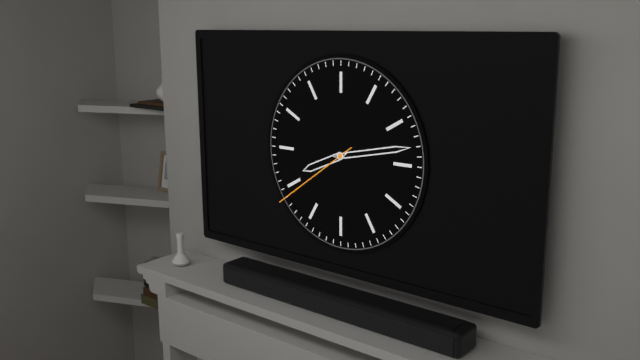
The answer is h=8 m=13 s=39
